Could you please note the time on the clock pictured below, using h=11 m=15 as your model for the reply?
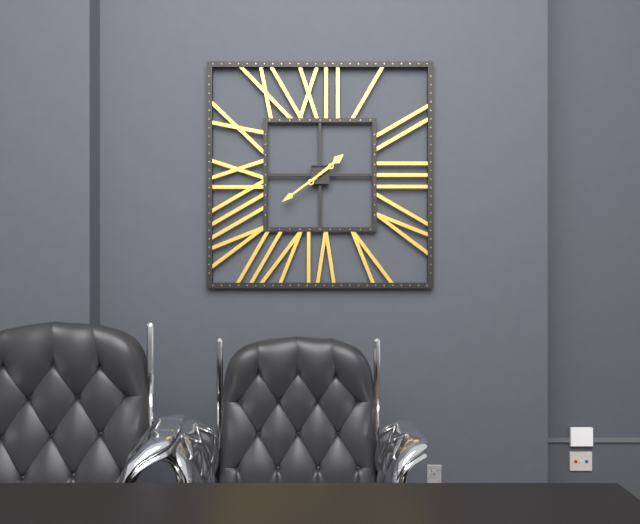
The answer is h=1 m=39
